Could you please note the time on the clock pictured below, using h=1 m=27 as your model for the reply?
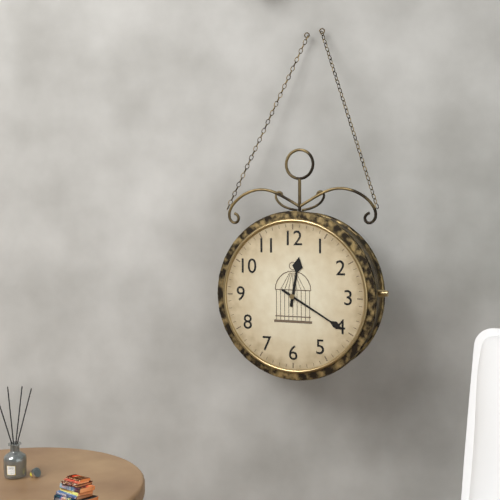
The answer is h=12 m=20
